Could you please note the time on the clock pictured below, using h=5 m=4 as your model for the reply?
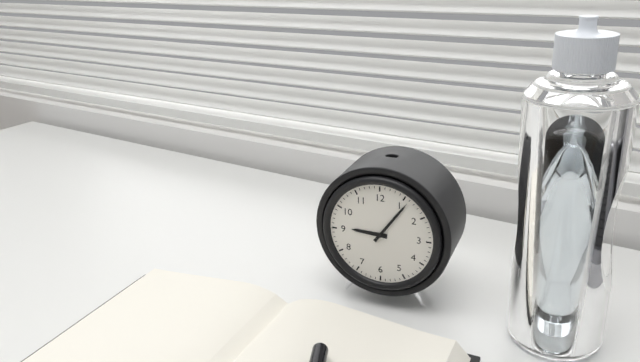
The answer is h=9 m=6
